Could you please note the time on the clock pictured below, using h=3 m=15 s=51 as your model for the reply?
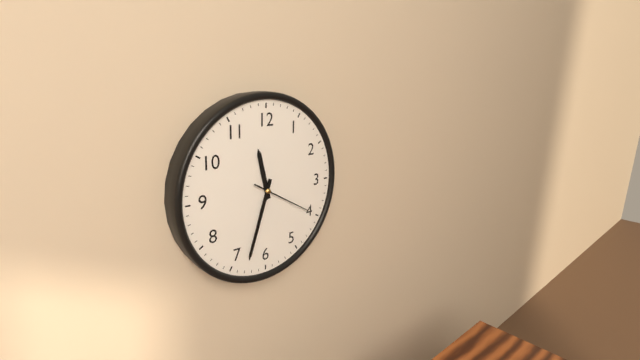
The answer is h=11 m=33 s=20
